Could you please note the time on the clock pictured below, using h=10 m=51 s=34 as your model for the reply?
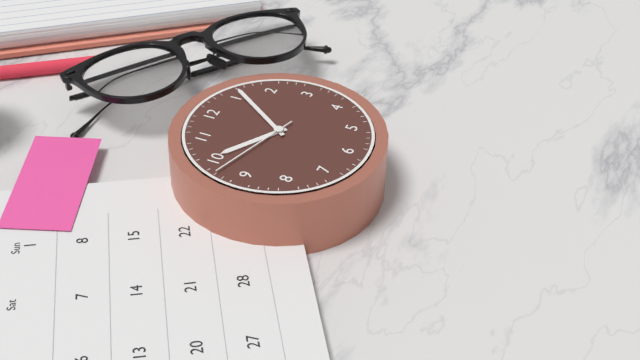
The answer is h=10 m=6 s=48
